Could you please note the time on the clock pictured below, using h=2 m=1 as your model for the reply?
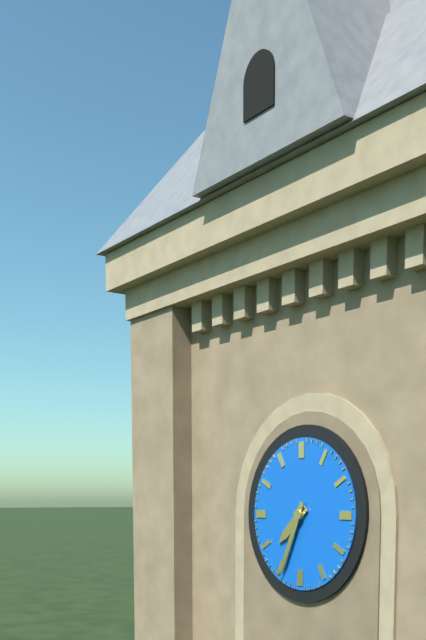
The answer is h=7 m=34
